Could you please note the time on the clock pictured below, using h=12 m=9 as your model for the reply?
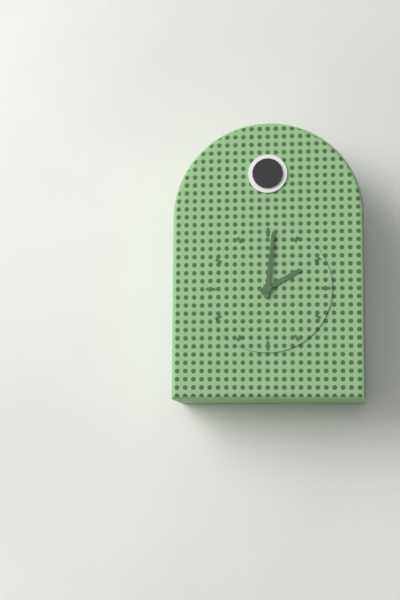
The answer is h=2 m=1
